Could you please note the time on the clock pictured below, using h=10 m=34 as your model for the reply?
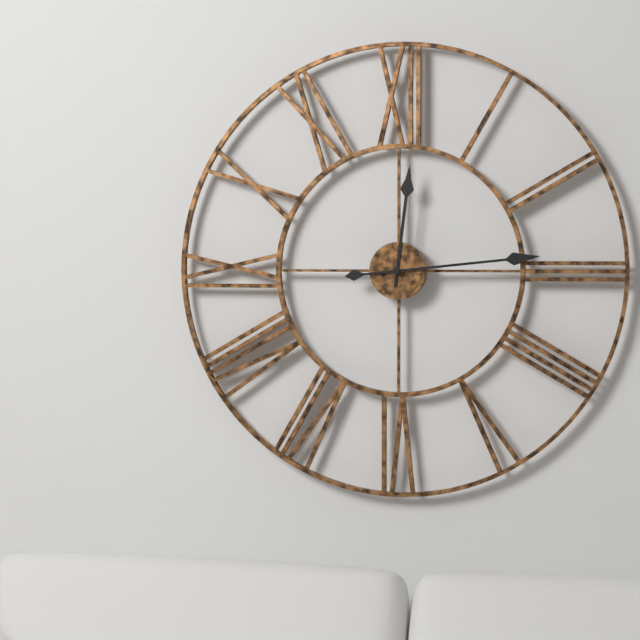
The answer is h=12 m=14
